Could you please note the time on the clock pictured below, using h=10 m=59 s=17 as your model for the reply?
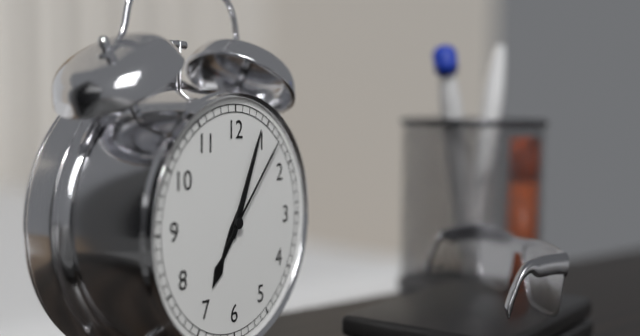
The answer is h=7 m=4 s=7
